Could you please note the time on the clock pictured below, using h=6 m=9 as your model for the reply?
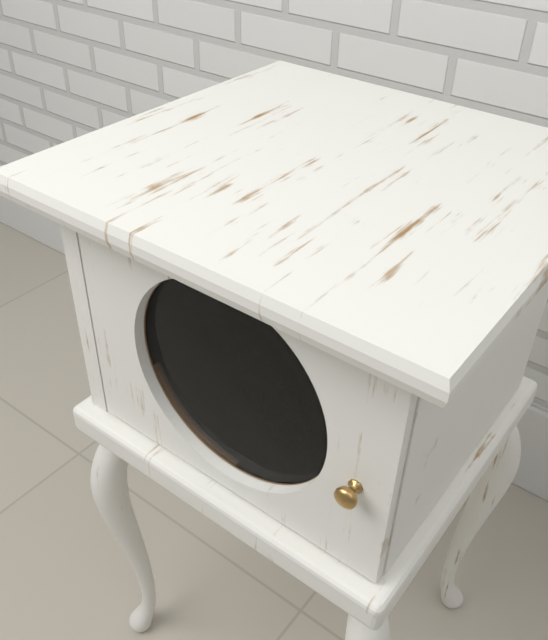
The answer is h=4 m=54
